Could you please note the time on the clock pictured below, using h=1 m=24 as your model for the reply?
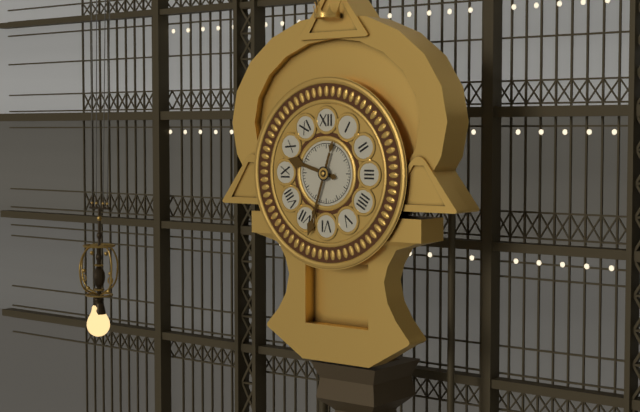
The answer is h=9 m=33
